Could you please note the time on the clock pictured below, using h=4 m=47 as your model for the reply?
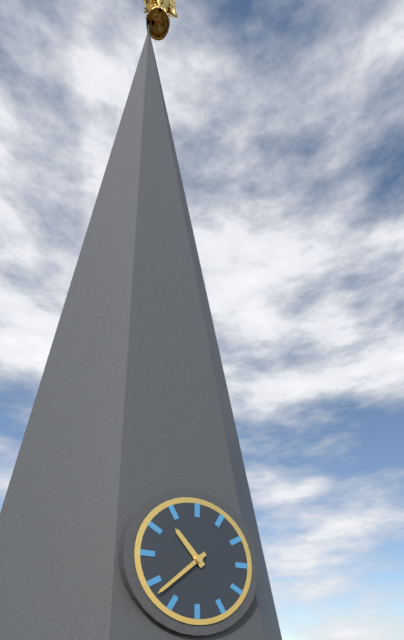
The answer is h=10 m=38
